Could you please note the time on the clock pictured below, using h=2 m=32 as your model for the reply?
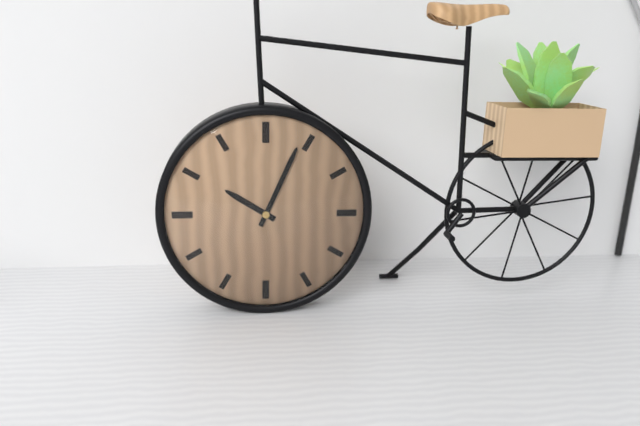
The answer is h=10 m=4
